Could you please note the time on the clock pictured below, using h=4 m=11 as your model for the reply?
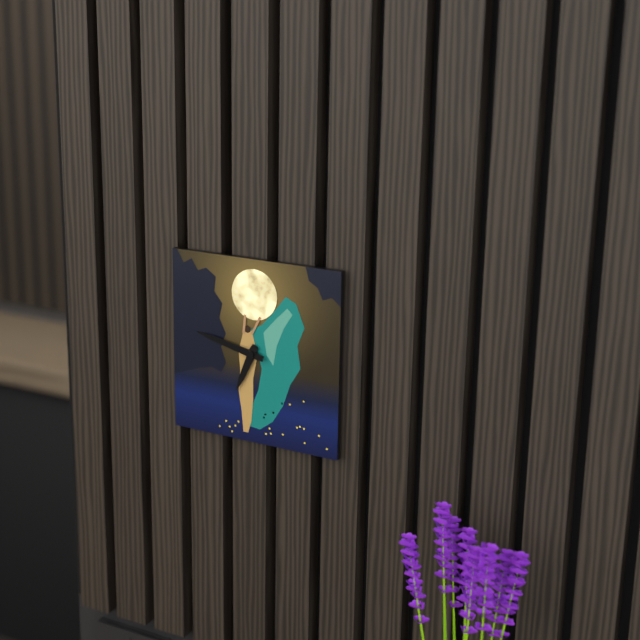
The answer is h=6 m=47
